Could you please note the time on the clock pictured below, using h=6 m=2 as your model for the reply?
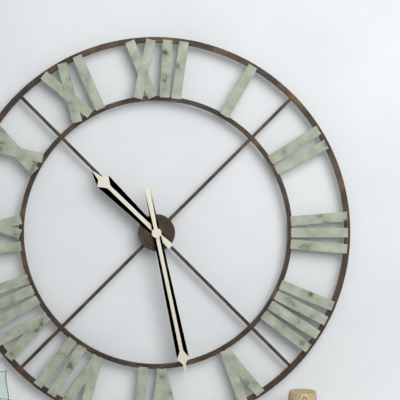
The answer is h=10 m=28
